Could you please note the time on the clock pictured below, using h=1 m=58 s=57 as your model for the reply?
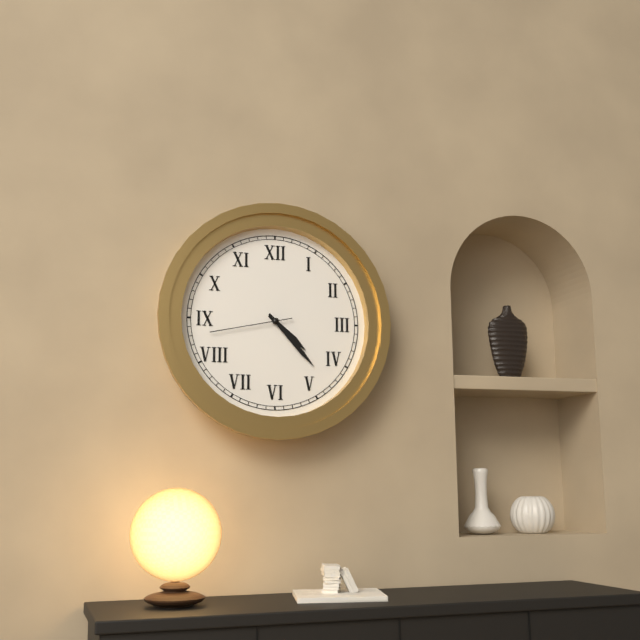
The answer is h=4 m=23 s=43
